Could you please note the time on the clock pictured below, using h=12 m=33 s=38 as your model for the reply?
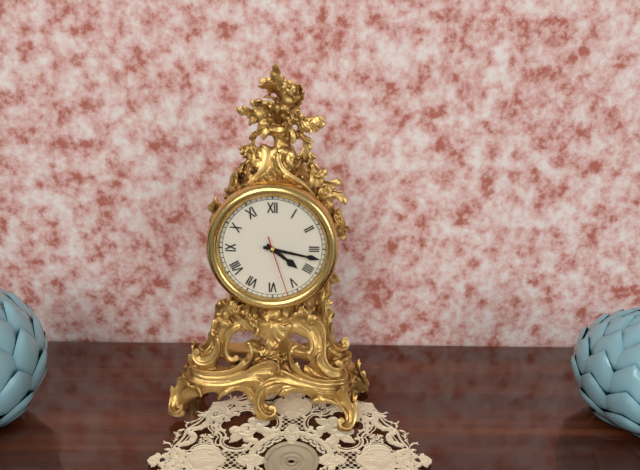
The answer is h=4 m=17 s=27
